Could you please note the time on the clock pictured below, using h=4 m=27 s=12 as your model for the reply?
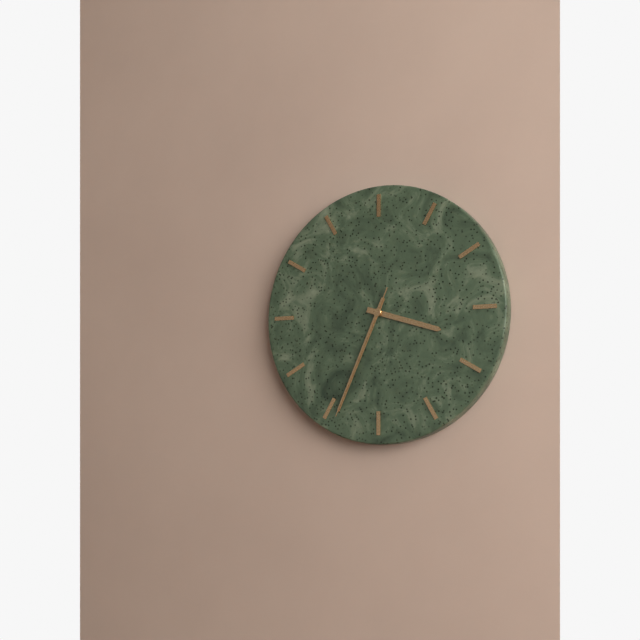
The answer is h=3 m=34 s=34
